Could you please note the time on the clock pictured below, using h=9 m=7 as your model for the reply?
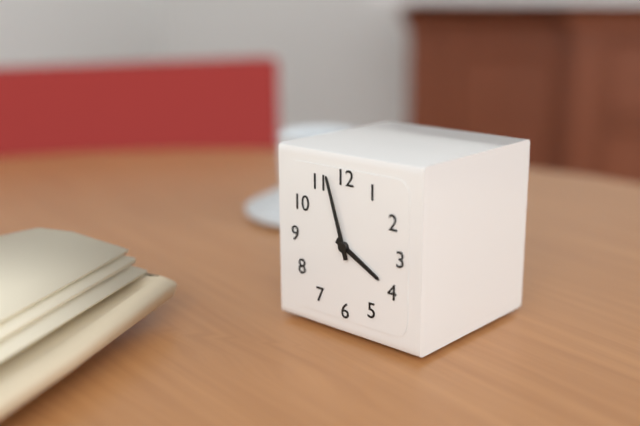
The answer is h=3 m=57
